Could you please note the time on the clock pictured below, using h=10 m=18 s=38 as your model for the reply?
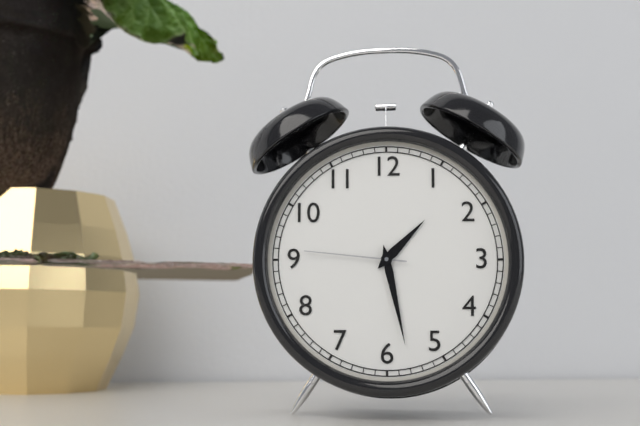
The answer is h=1 m=28 s=46
